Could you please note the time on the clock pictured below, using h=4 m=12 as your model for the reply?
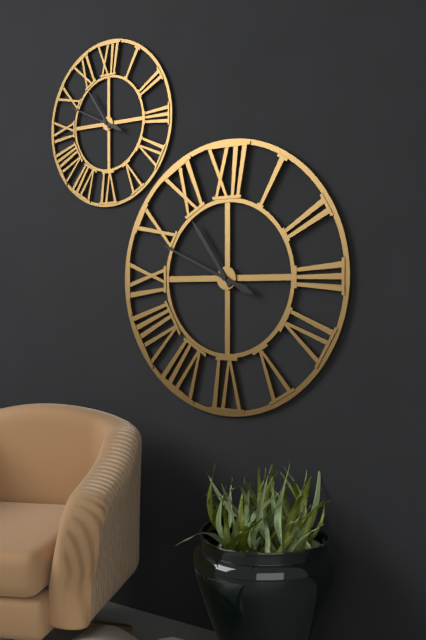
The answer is h=10 m=49
